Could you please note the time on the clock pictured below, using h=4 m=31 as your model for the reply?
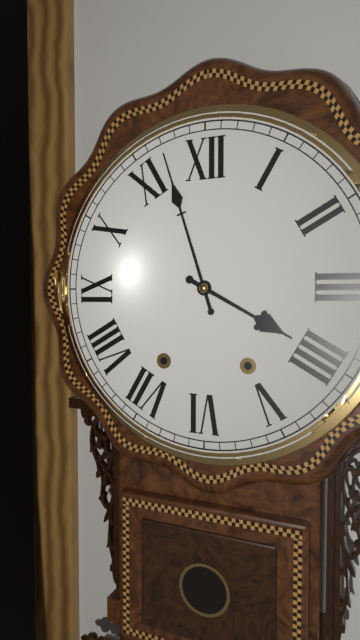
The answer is h=3 m=57
